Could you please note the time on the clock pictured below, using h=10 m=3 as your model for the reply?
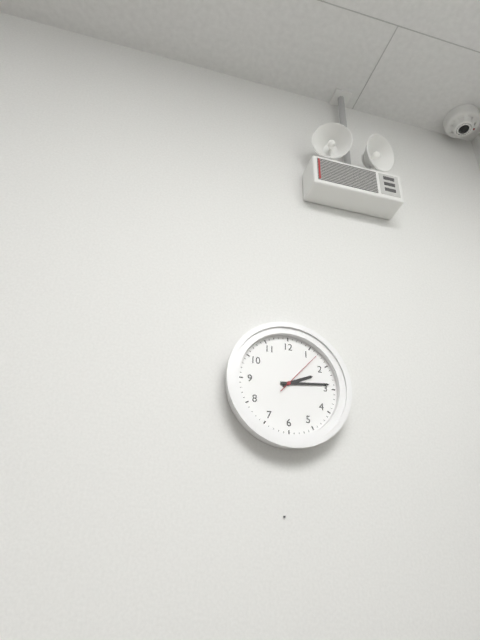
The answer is h=2 m=14
